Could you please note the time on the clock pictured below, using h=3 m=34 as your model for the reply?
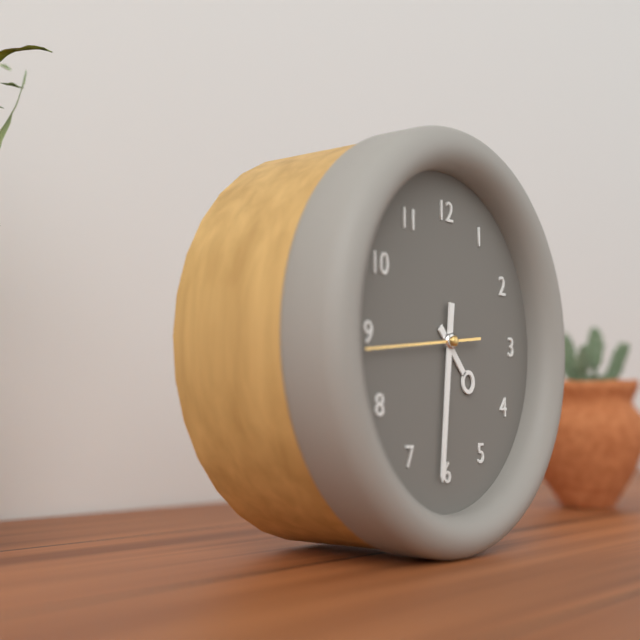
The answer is h=4 m=31
